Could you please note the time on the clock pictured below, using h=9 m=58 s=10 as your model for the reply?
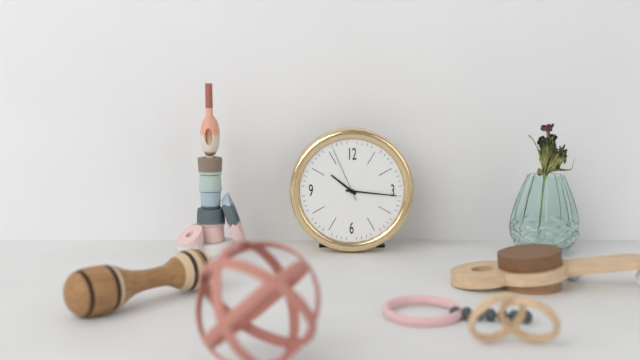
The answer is h=10 m=16 s=56
